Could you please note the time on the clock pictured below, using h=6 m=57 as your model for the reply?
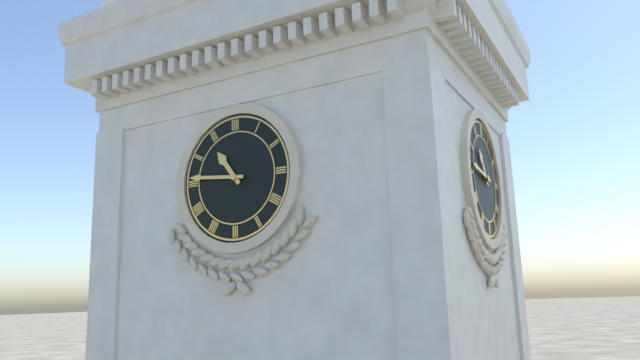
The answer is h=10 m=46
